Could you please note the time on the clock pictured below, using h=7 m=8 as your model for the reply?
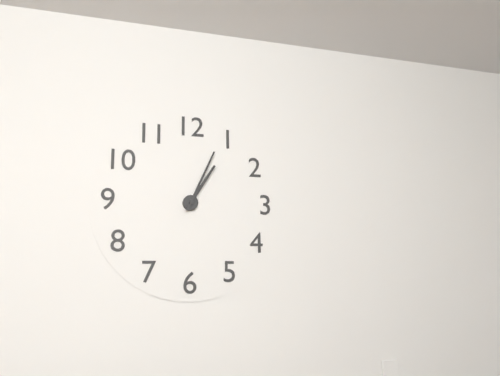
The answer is h=1 m=4
